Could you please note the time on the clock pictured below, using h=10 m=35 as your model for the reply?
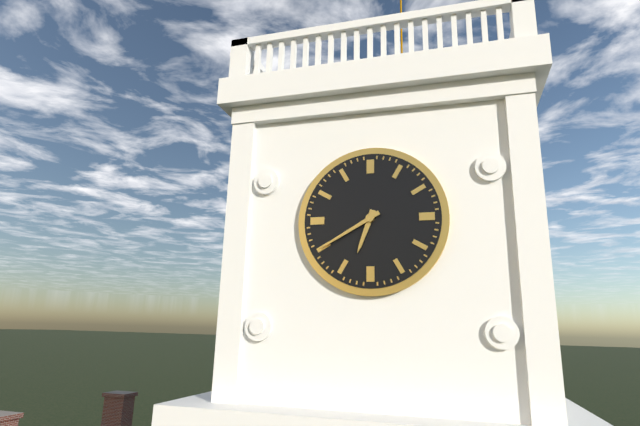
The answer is h=6 m=40
